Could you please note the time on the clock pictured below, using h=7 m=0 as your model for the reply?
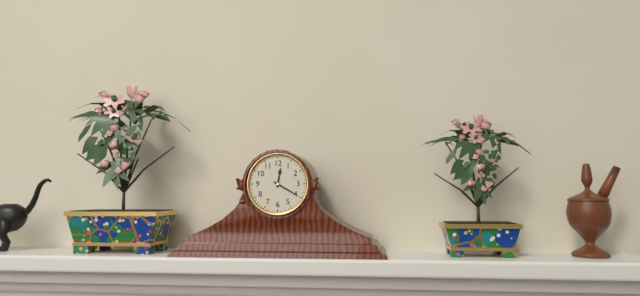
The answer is h=12 m=20
